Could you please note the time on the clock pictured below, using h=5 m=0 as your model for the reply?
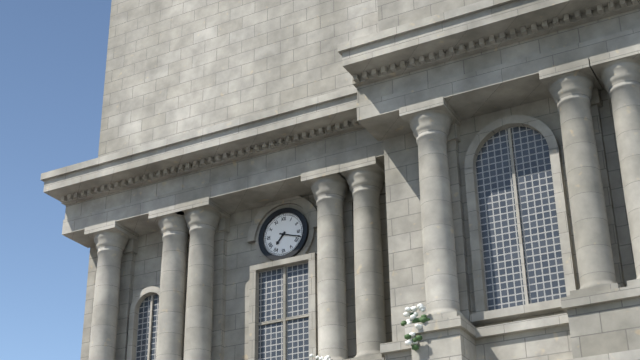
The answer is h=7 m=18
